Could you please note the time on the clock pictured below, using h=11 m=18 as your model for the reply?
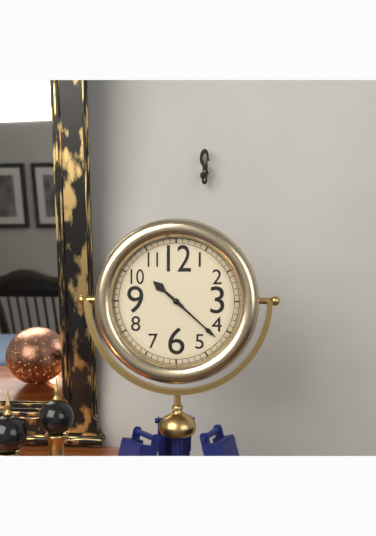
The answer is h=10 m=22
